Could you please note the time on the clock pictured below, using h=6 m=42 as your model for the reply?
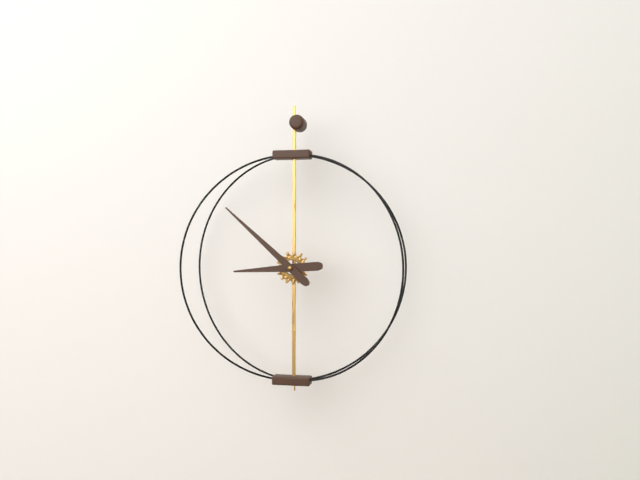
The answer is h=8 m=52
